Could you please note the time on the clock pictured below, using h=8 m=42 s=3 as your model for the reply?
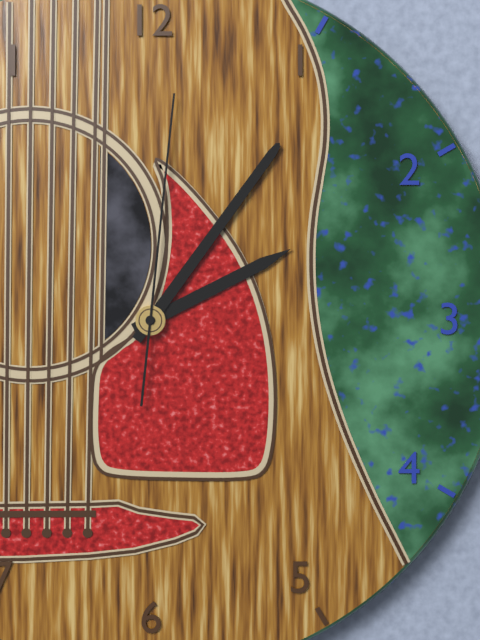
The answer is h=2 m=6 s=1
